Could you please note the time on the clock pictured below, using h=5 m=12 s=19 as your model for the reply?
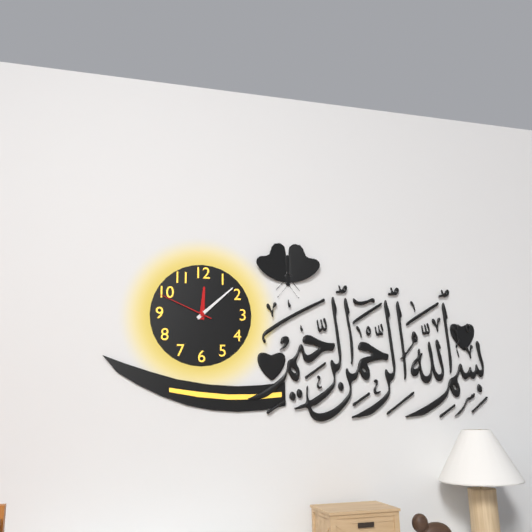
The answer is h=12 m=8 s=49
